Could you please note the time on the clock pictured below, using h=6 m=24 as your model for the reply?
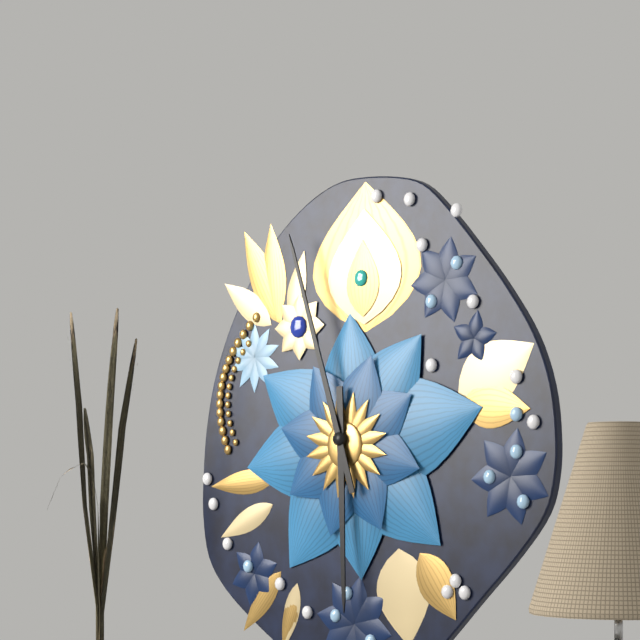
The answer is h=5 m=57
